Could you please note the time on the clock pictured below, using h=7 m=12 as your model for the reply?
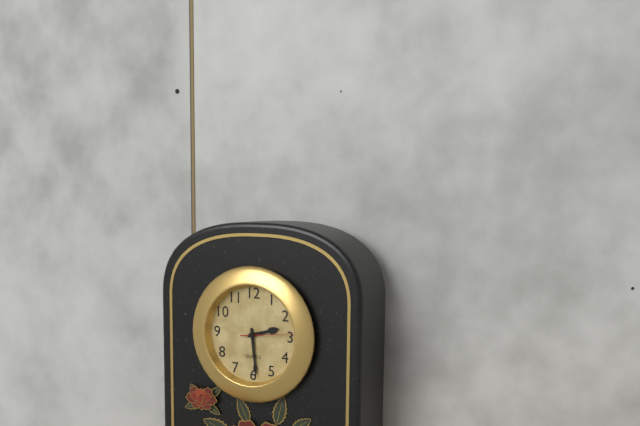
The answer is h=2 m=29
